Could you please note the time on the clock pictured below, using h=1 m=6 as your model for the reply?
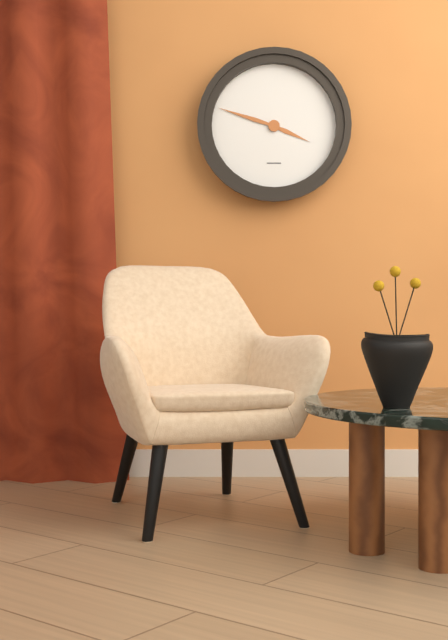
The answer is h=3 m=48
